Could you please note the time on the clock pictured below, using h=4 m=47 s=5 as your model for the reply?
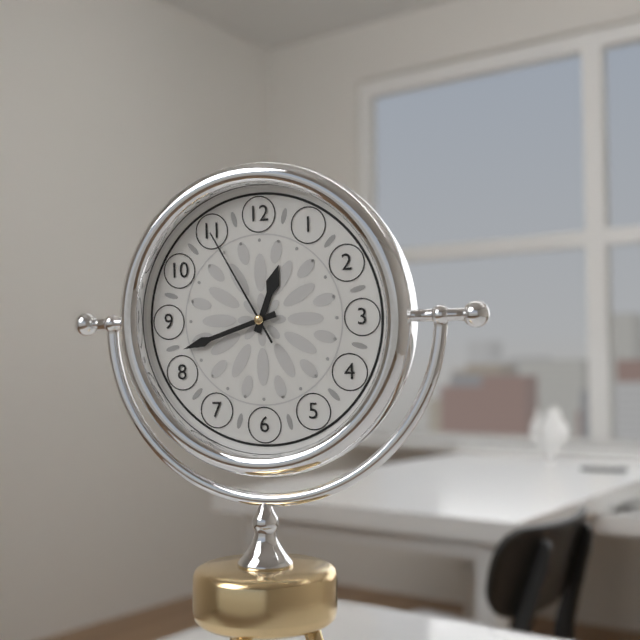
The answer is h=12 m=42 s=55
